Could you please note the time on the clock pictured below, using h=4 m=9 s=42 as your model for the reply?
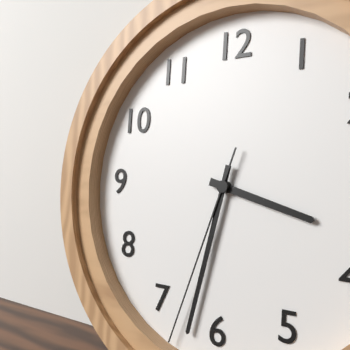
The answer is h=3 m=32 s=33
